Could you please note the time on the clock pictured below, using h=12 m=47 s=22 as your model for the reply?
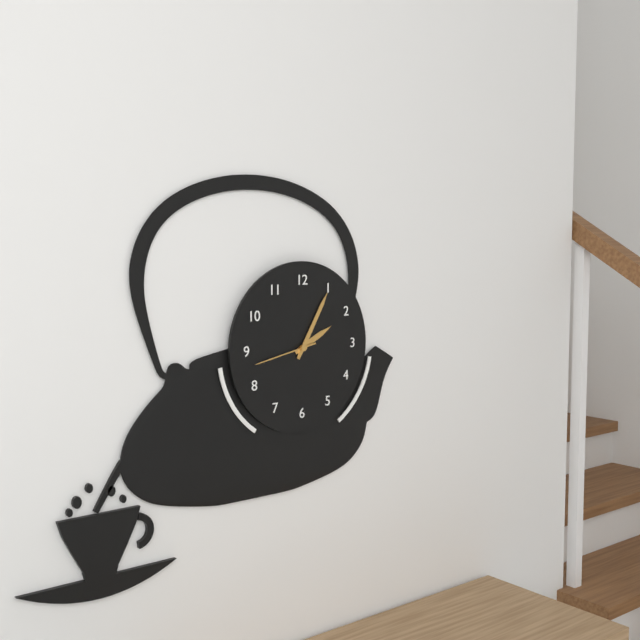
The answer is h=2 m=5 s=43
